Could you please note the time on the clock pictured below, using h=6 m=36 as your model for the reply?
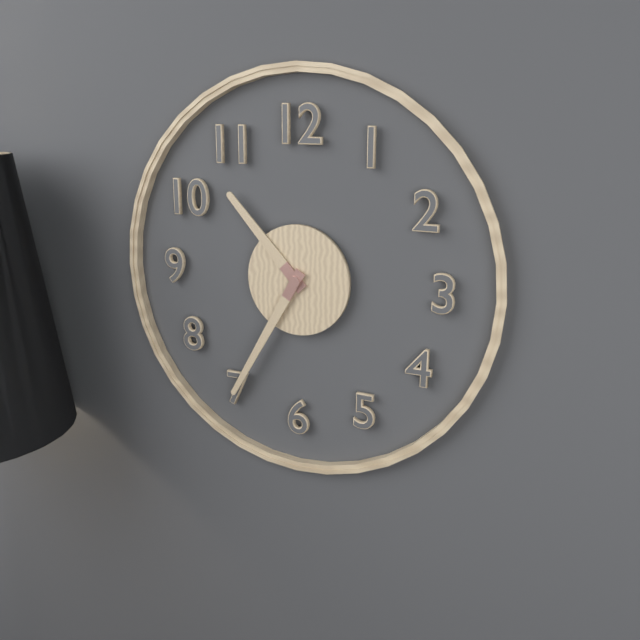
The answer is h=10 m=35
